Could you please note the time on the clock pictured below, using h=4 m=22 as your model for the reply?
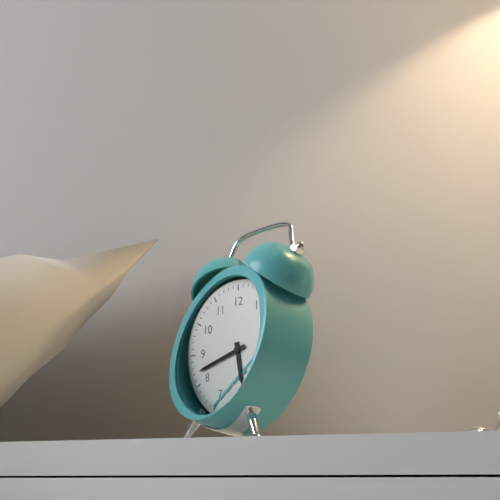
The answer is h=5 m=42
